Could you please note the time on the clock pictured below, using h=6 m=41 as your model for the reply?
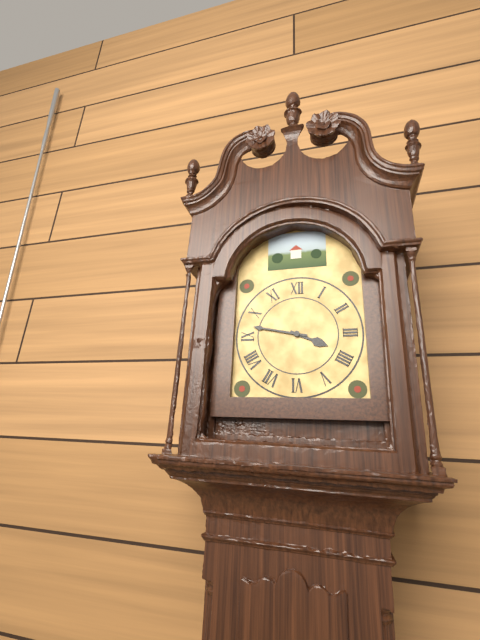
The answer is h=3 m=47
